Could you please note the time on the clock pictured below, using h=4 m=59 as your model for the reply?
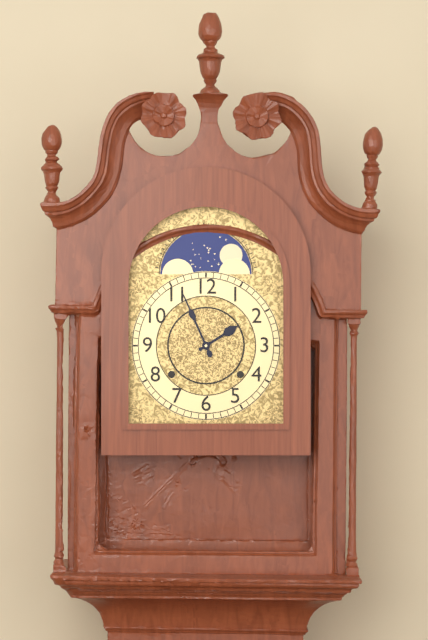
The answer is h=1 m=56
